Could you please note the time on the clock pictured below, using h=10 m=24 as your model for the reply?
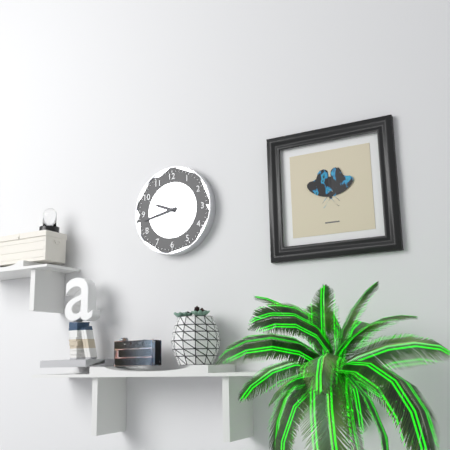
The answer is h=9 m=43
